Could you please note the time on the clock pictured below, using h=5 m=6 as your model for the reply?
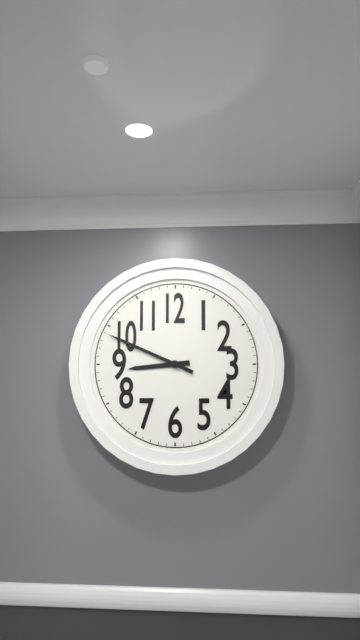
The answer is h=8 m=49
